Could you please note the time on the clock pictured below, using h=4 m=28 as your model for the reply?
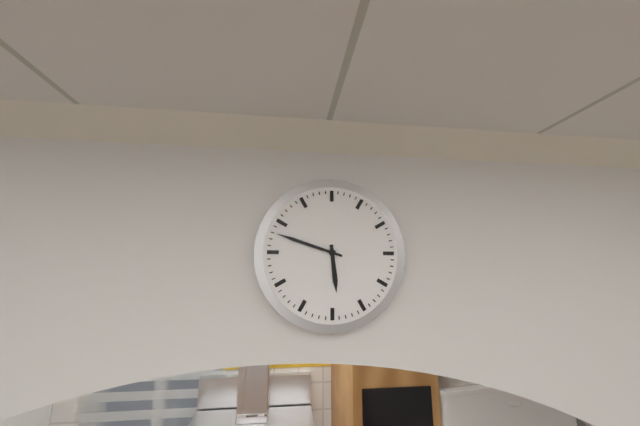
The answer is h=5 m=48
